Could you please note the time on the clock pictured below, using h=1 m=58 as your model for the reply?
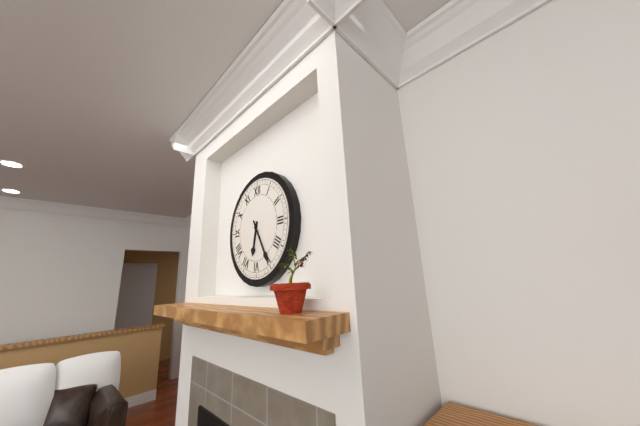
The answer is h=6 m=25
